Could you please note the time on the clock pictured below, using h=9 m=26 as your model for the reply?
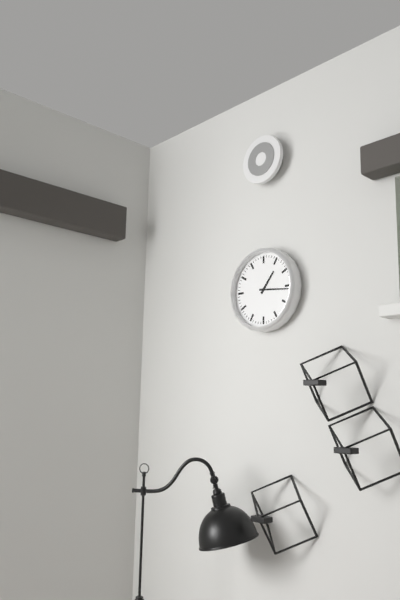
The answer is h=1 m=16
